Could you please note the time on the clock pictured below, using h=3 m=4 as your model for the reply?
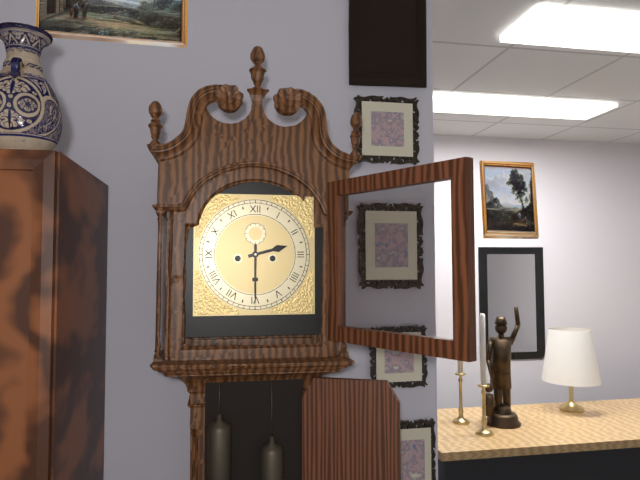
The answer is h=2 m=30
